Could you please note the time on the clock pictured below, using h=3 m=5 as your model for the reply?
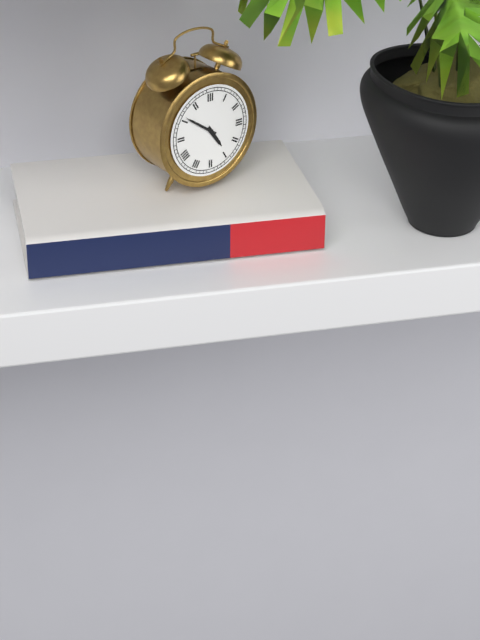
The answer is h=4 m=51
